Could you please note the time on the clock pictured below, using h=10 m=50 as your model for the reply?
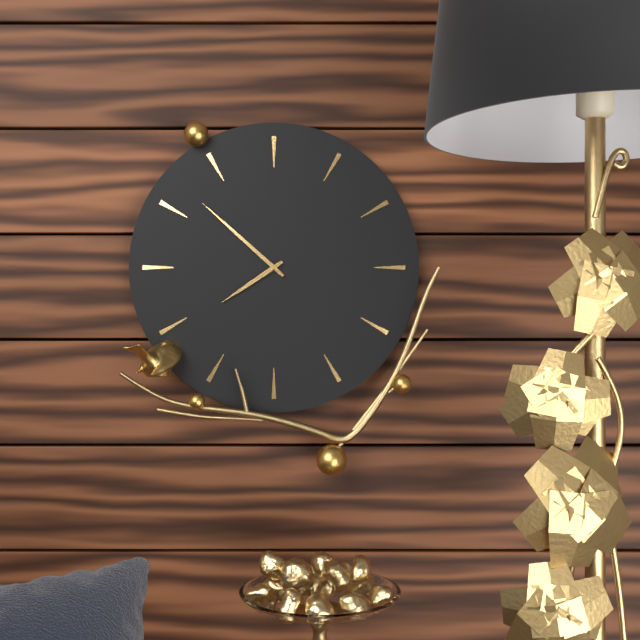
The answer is h=7 m=52
